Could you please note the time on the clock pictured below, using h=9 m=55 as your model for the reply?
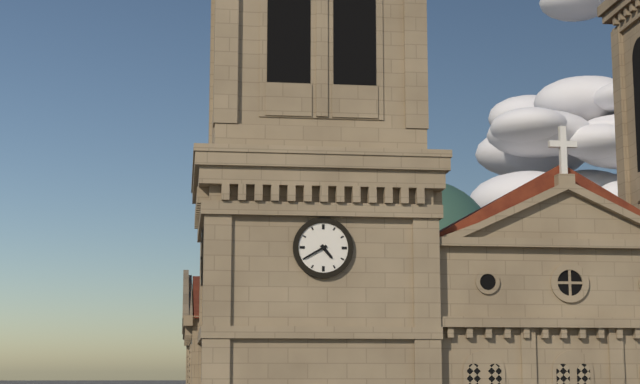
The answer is h=4 m=40
